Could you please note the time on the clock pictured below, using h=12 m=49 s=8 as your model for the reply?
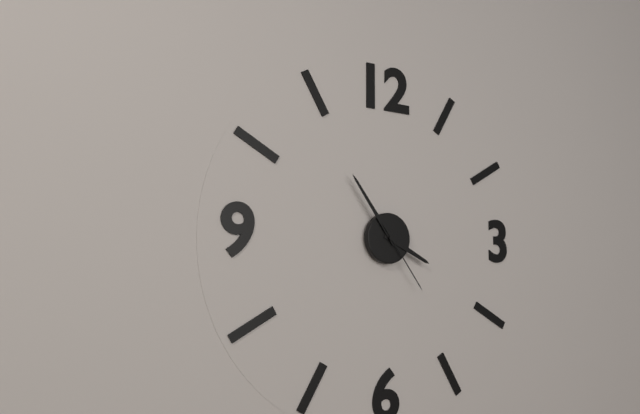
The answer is h=3 m=54 s=24
